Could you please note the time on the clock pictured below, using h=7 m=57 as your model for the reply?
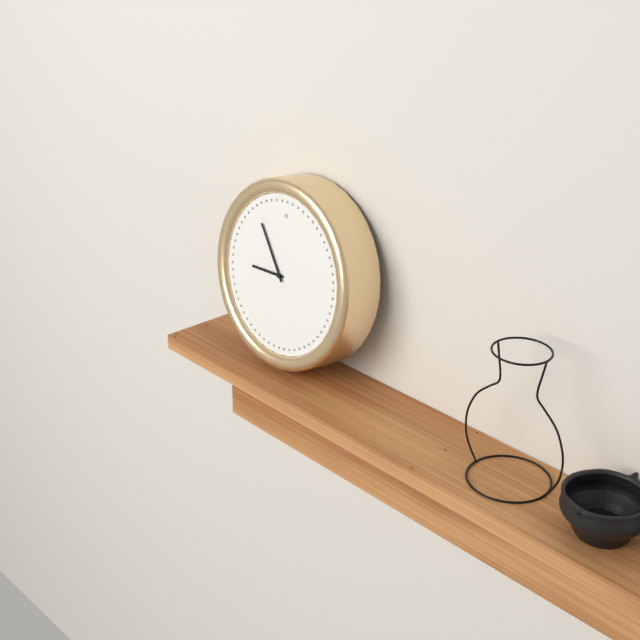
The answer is h=8 m=54
